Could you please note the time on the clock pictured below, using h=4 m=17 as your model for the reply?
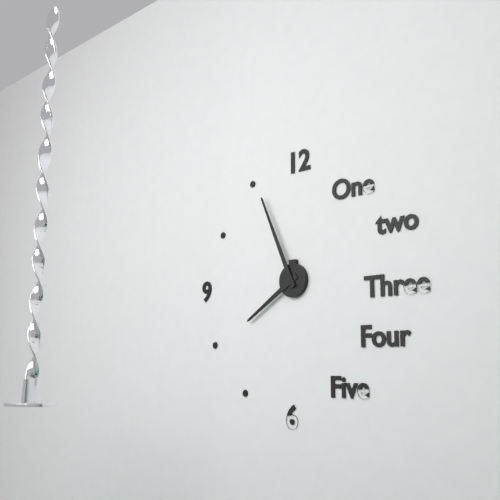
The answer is h=7 m=56
